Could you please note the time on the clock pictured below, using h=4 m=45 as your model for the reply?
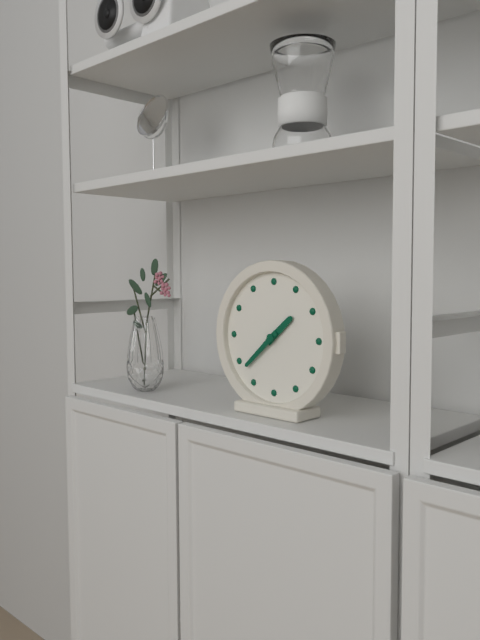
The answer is h=1 m=38
